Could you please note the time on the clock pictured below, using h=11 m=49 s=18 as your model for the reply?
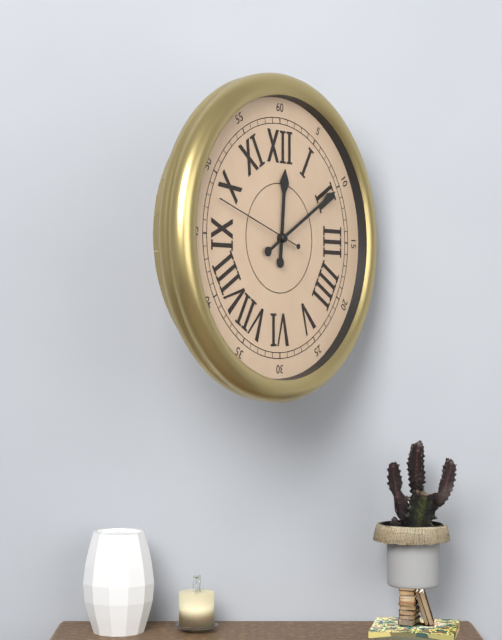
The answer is h=12 m=10 s=48
